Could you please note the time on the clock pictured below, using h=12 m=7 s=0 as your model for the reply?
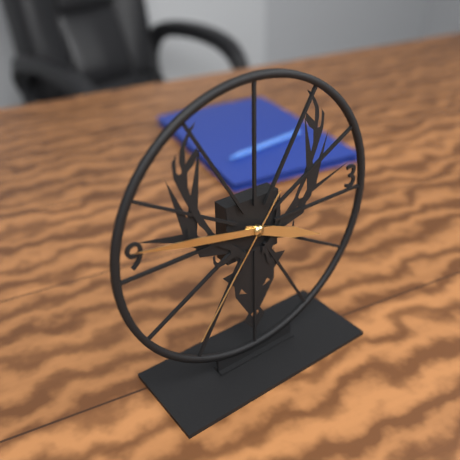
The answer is h=3 m=47 s=36
